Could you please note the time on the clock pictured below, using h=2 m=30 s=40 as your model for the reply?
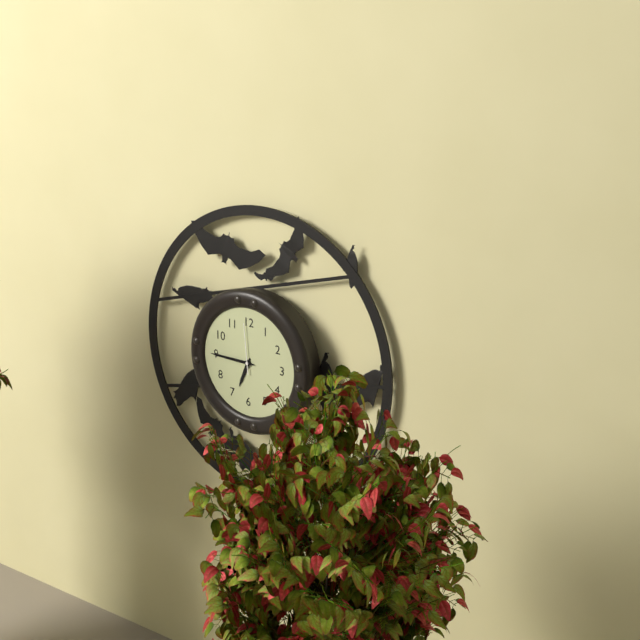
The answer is h=6 m=45 s=59
